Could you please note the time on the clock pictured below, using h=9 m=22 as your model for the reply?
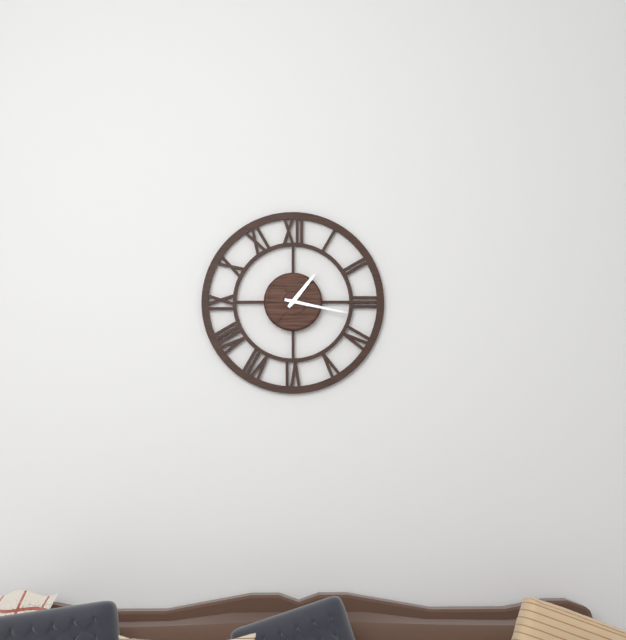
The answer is h=1 m=17
